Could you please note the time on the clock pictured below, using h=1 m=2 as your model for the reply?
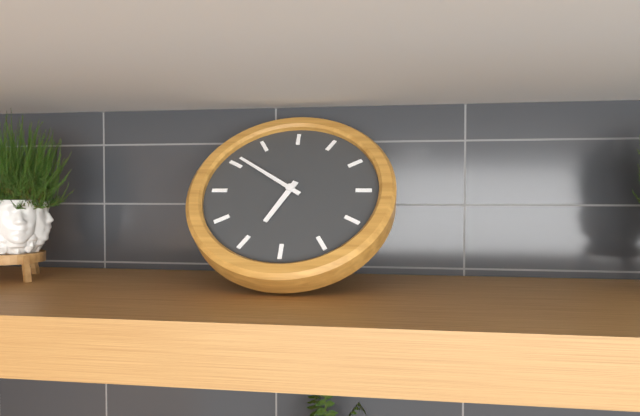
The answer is h=6 m=51
